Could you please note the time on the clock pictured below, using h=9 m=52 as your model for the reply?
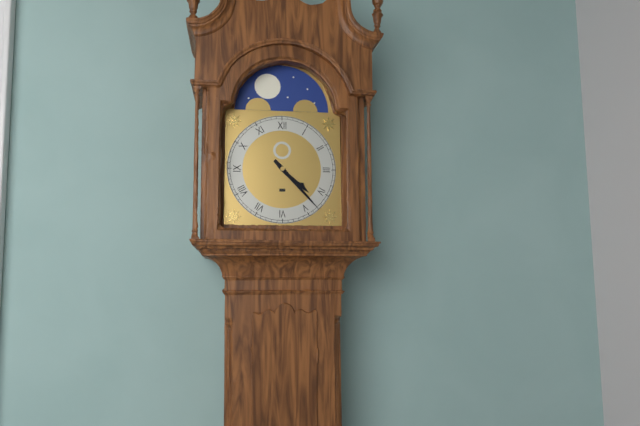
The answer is h=4 m=23
